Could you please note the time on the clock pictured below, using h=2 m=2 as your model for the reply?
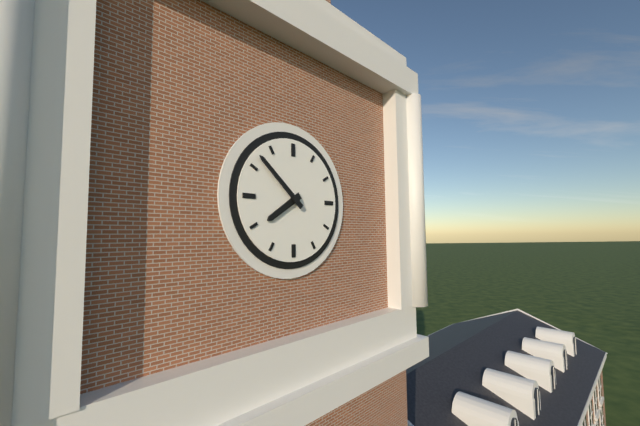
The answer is h=7 m=52
